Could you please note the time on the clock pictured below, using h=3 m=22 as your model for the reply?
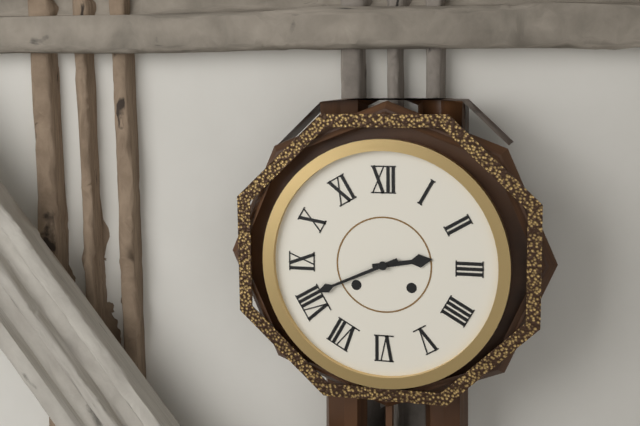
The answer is h=2 m=41
